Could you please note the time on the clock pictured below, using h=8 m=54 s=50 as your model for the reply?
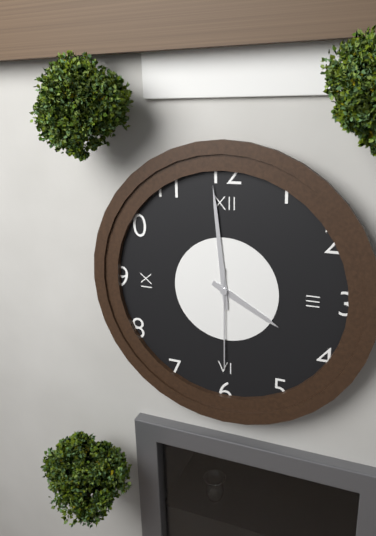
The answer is h=3 m=59 s=30
